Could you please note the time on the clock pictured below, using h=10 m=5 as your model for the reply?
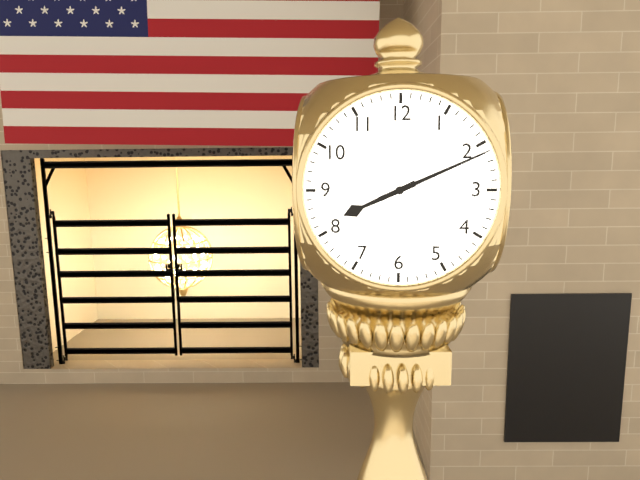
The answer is h=8 m=11
